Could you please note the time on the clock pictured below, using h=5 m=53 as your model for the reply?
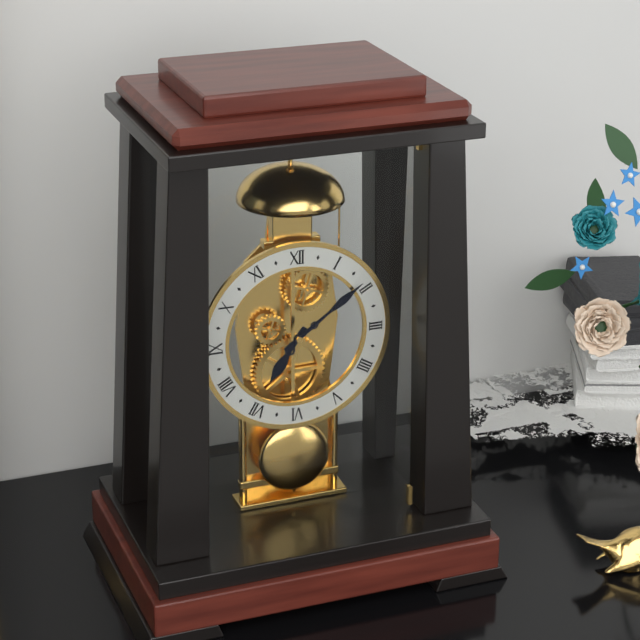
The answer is h=7 m=9
